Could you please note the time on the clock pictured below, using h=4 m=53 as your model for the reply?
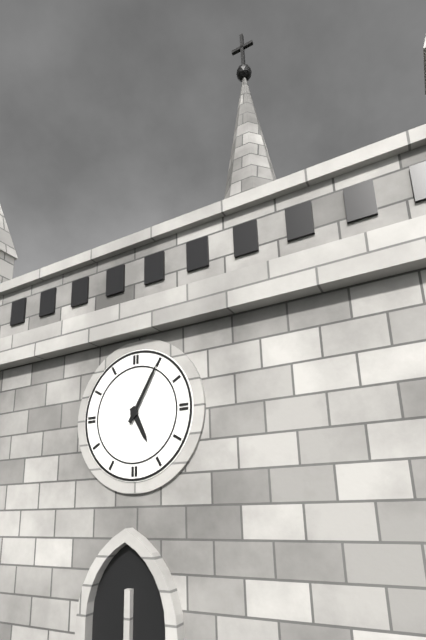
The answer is h=5 m=5
